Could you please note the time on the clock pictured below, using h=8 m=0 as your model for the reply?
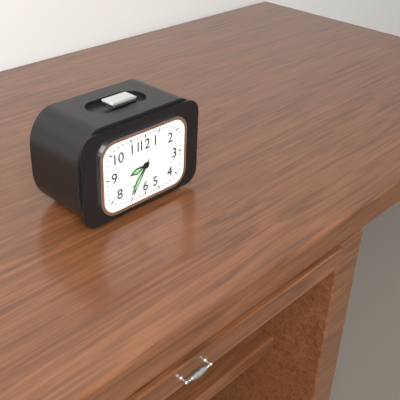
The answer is h=8 m=36
